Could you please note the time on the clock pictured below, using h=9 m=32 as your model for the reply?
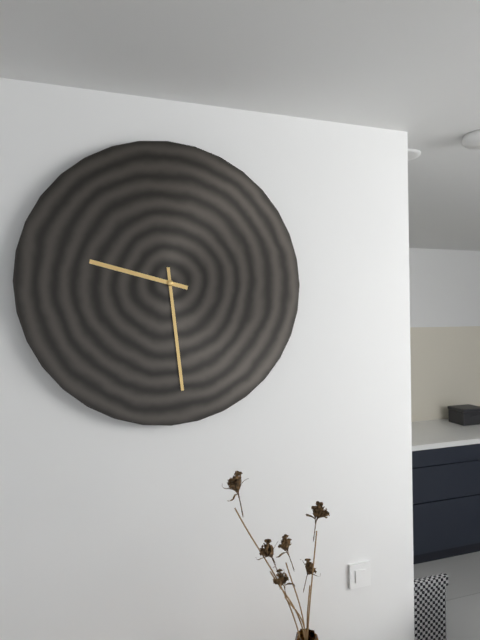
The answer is h=9 m=29
